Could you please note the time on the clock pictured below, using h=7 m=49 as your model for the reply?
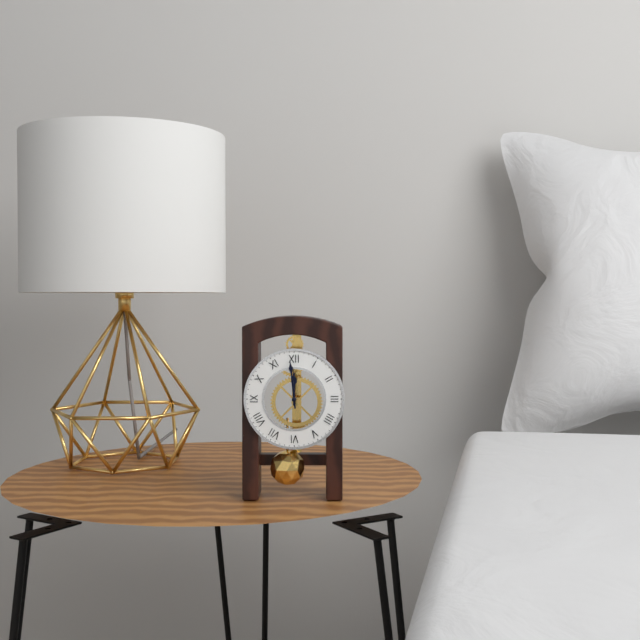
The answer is h=11 m=59
